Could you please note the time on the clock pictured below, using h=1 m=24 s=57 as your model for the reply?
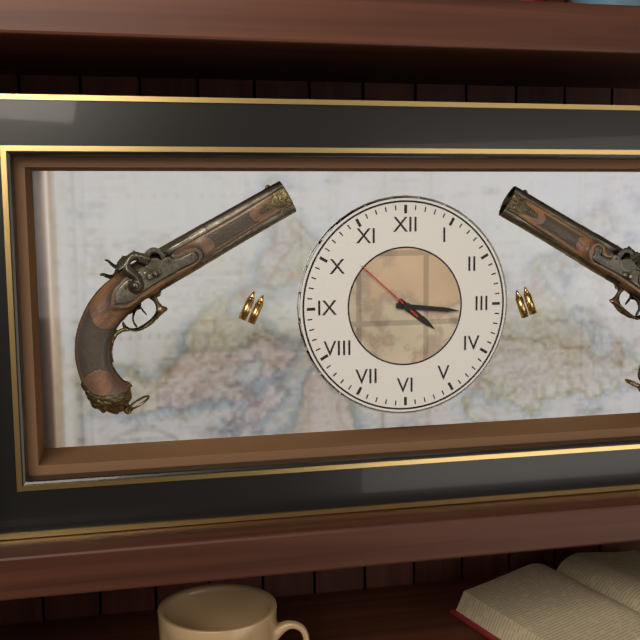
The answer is h=4 m=16 s=52
